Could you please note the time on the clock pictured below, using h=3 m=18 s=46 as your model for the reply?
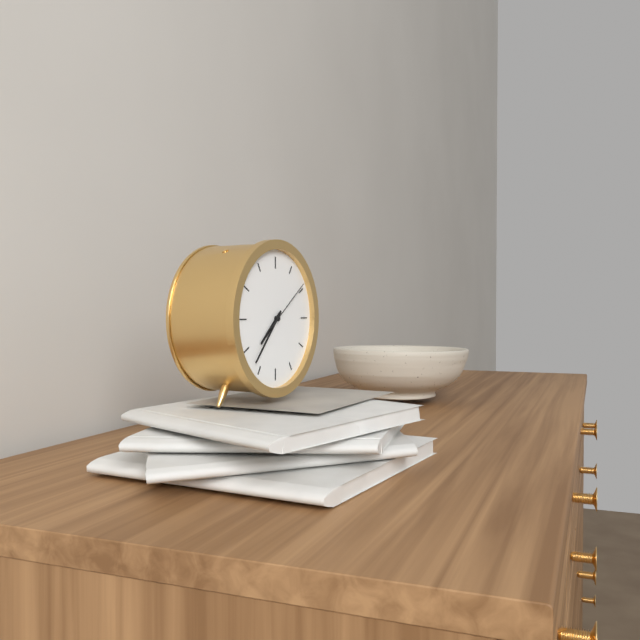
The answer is h=7 m=37 s=9
